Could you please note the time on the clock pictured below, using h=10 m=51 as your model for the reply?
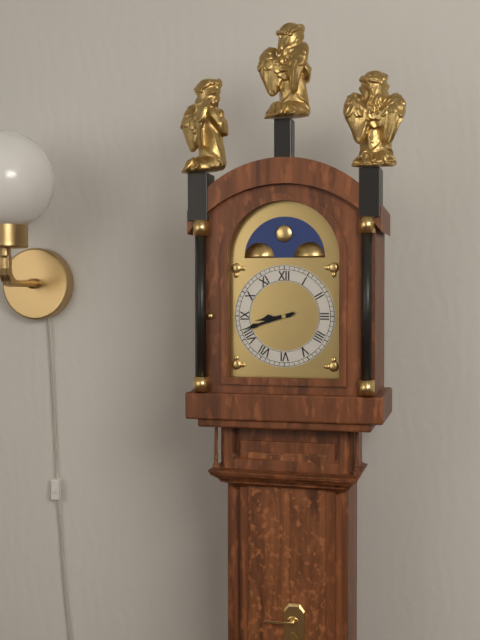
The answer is h=8 m=42
